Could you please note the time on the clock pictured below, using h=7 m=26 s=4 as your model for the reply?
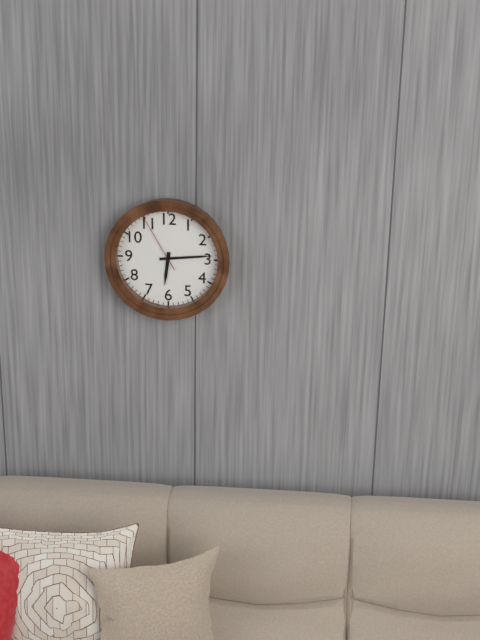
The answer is h=6 m=14 s=55
